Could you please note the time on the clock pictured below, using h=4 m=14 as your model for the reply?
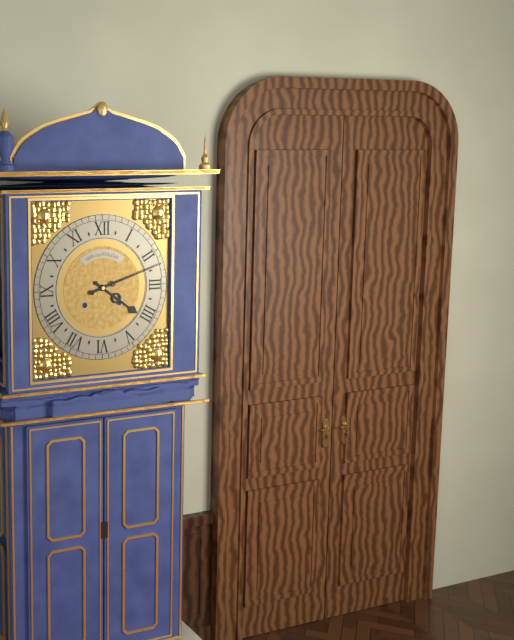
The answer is h=4 m=12
